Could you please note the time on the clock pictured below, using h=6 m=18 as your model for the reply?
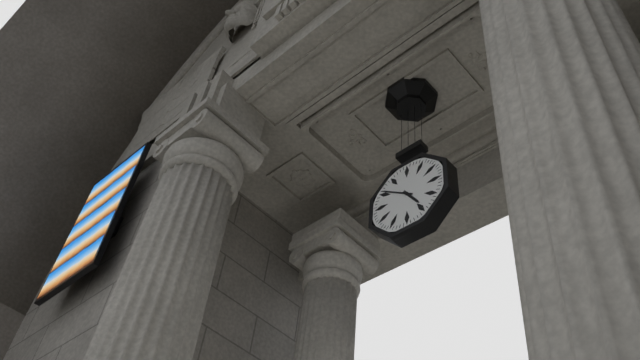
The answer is h=4 m=51
